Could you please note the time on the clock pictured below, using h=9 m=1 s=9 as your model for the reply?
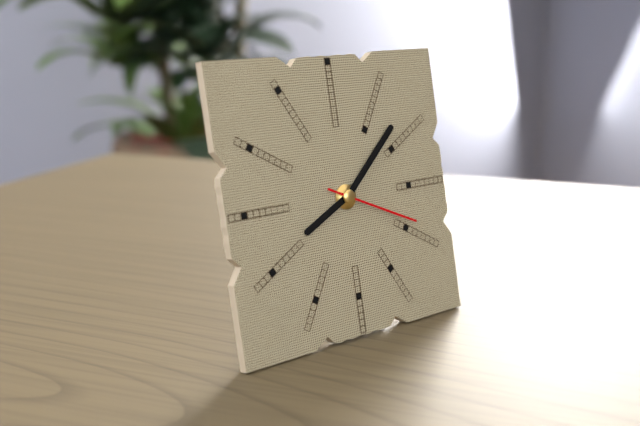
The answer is h=8 m=8 s=19
